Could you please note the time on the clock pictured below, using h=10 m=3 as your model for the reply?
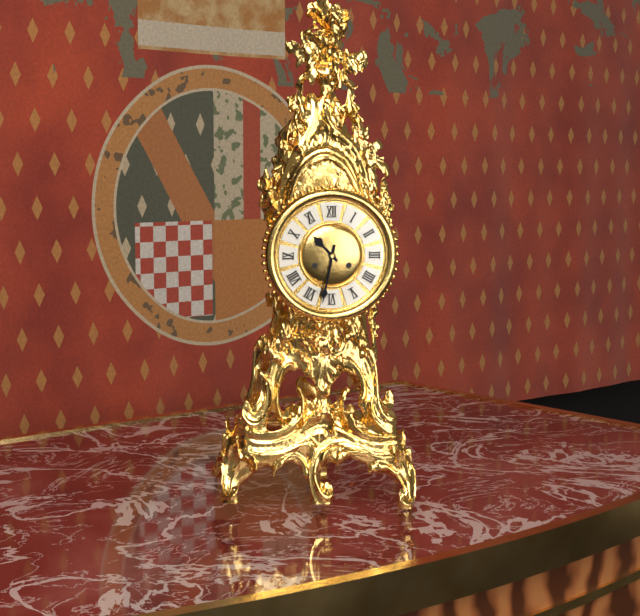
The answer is h=10 m=32
